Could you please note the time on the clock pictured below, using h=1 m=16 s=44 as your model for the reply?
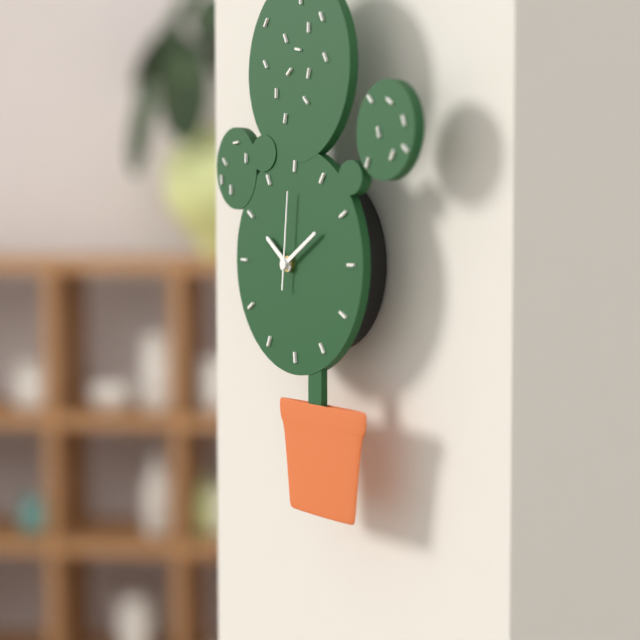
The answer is h=10 m=10 s=1
